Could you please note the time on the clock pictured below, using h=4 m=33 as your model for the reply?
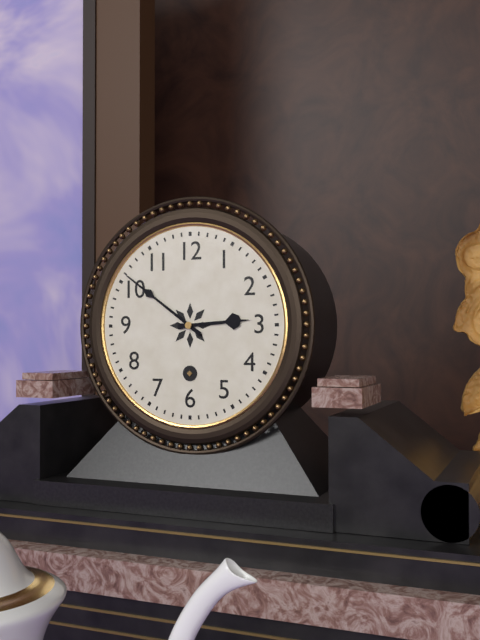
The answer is h=2 m=51
